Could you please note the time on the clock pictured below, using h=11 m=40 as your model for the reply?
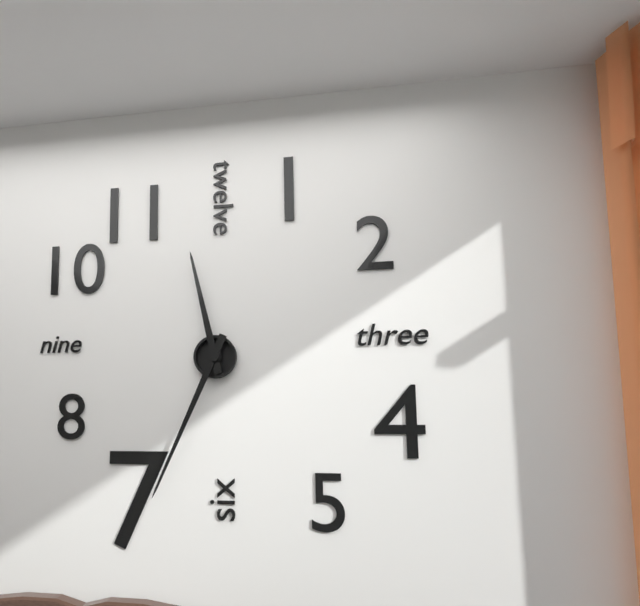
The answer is h=11 m=34
